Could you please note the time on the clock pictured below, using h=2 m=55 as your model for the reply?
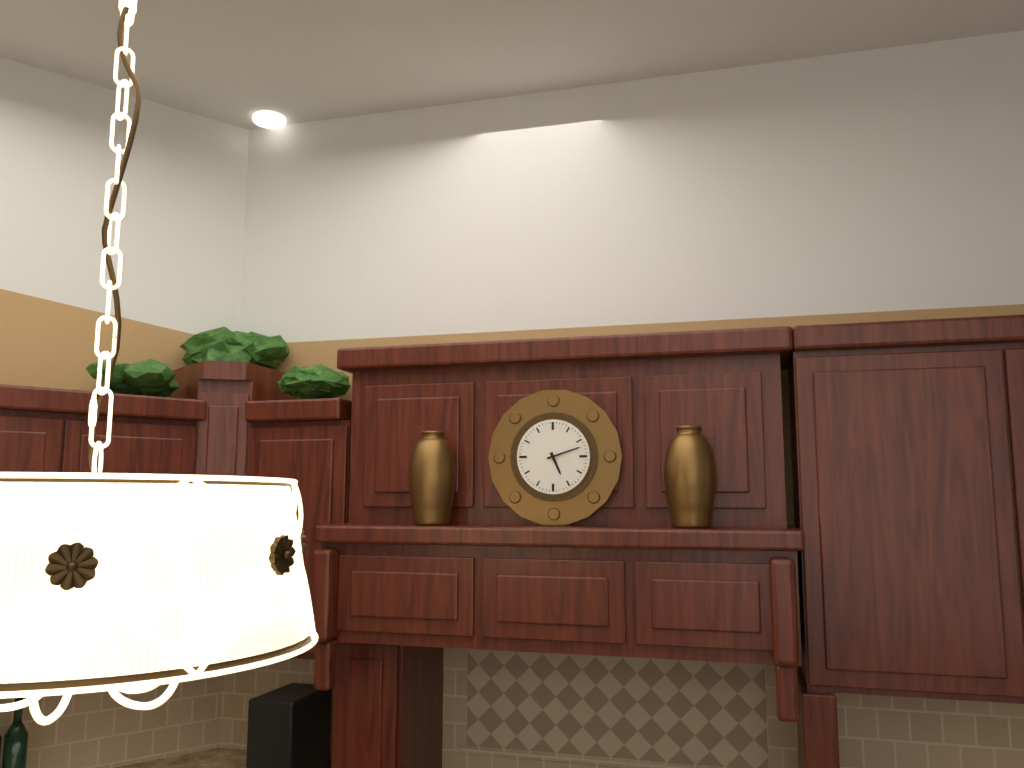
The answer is h=5 m=12
